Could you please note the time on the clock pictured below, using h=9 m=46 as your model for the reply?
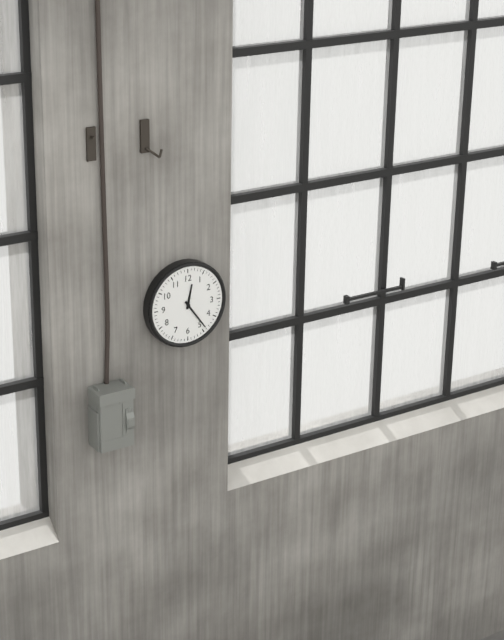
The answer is h=12 m=24
